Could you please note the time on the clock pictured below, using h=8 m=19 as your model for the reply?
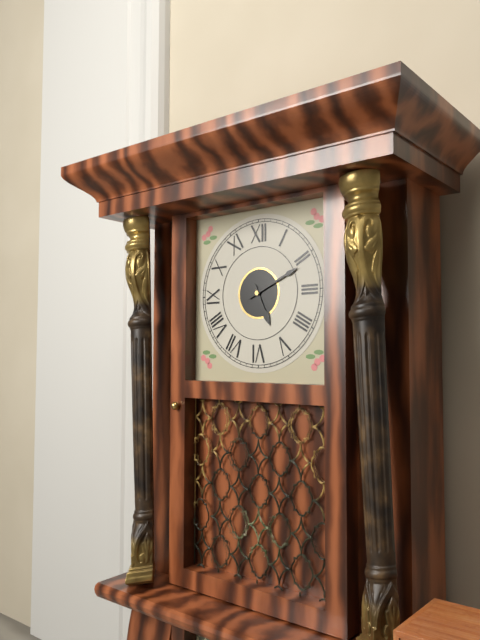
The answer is h=5 m=11
